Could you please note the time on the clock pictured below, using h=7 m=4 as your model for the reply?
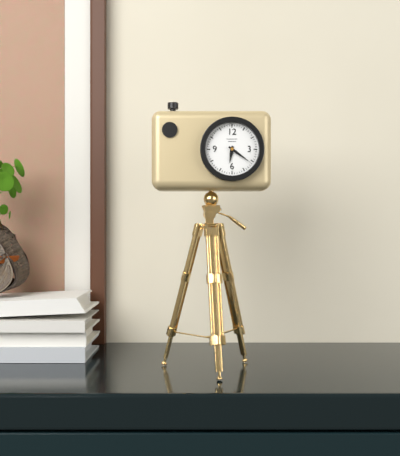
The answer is h=6 m=21
